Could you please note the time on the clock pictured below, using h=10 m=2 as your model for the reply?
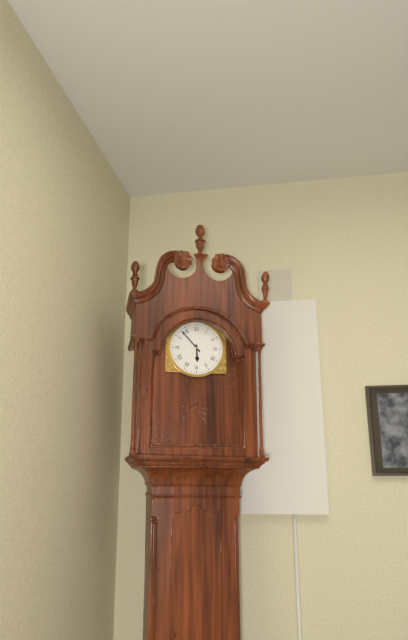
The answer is h=5 m=53
